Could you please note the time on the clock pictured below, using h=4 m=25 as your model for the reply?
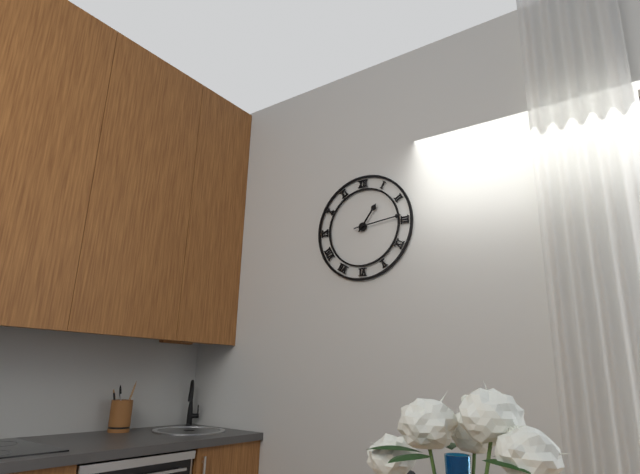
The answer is h=1 m=14
